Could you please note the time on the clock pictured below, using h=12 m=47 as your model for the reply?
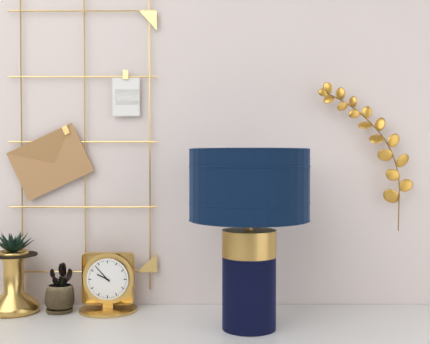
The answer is h=9 m=53
